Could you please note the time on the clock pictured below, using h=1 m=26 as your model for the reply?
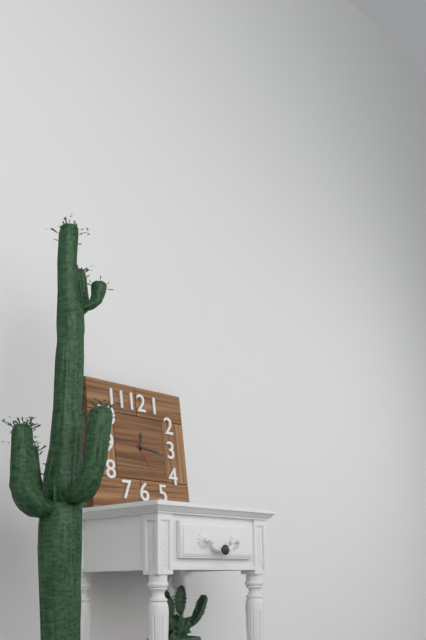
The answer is h=12 m=16
